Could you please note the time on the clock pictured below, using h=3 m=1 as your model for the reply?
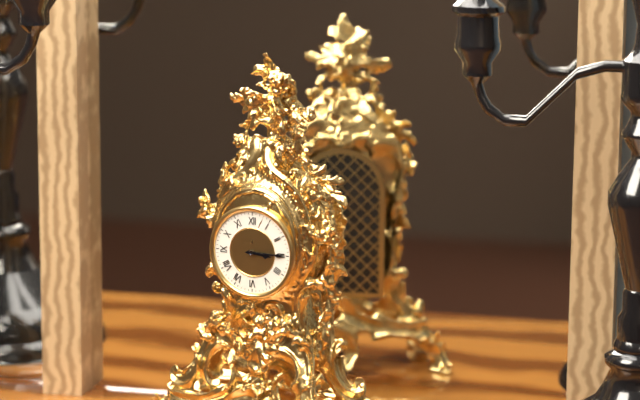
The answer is h=3 m=15
